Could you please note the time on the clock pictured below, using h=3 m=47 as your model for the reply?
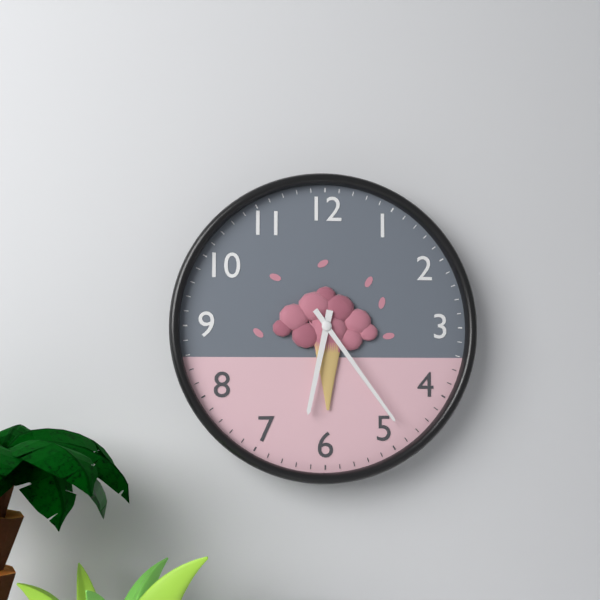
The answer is h=6 m=24
